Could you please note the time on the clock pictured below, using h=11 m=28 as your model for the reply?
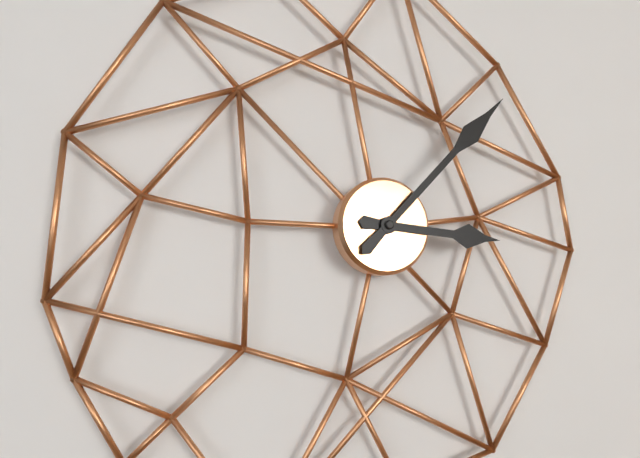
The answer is h=3 m=7
